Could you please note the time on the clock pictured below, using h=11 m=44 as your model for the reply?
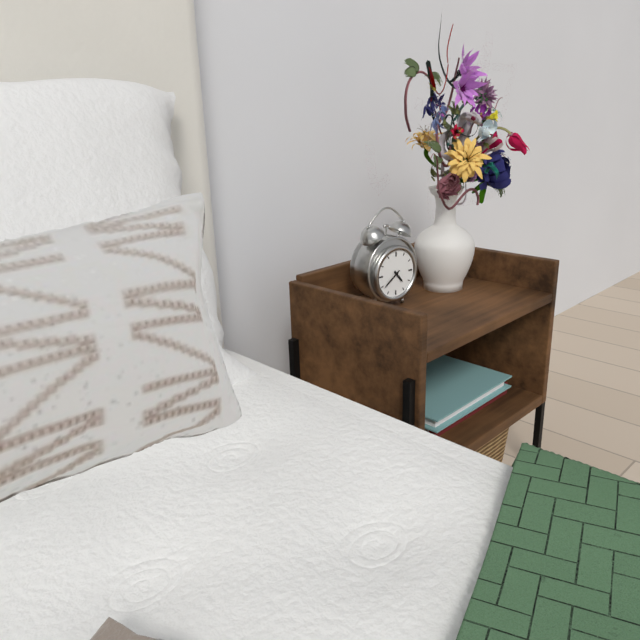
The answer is h=4 m=39
